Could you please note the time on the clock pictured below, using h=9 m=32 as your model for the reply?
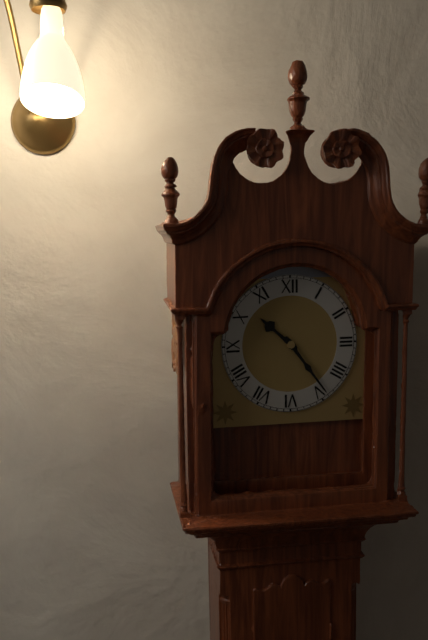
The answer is h=10 m=24
